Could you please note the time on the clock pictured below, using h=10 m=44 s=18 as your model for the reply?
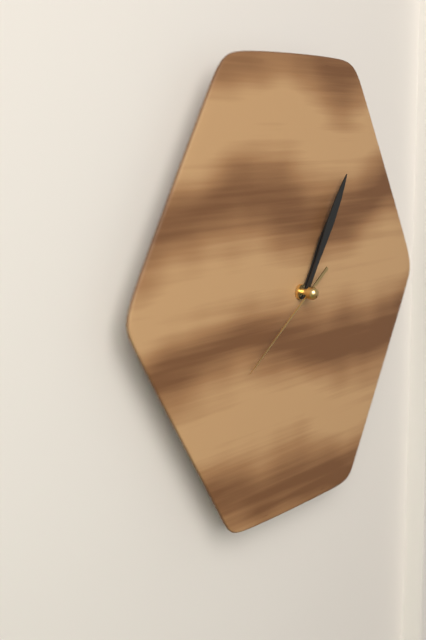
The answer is h=1 m=5 s=39
